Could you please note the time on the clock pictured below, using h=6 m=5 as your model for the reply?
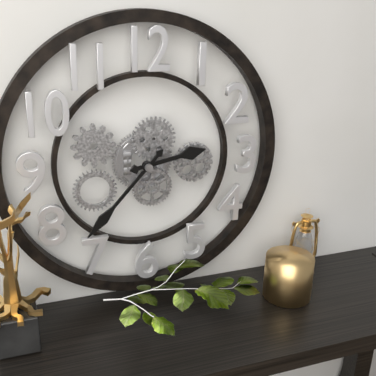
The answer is h=2 m=37
